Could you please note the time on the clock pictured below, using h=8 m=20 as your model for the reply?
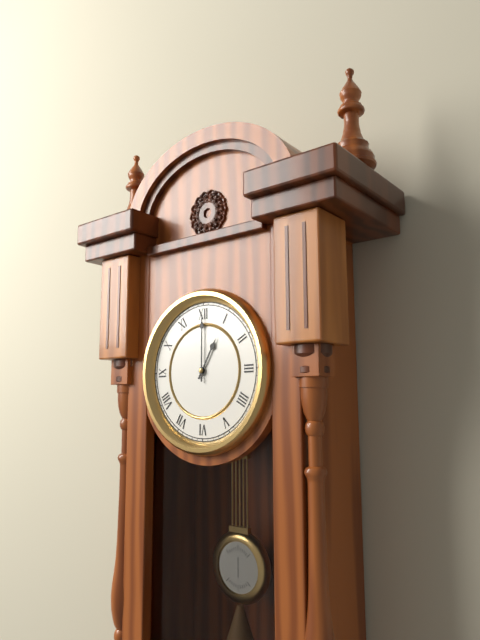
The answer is h=1 m=0
